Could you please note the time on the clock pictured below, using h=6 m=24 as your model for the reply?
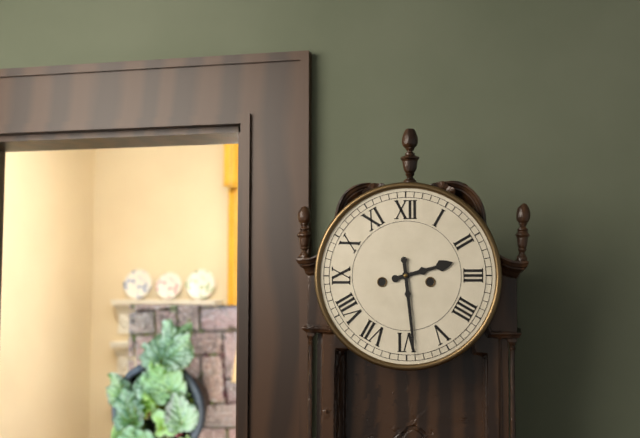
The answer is h=2 m=29
